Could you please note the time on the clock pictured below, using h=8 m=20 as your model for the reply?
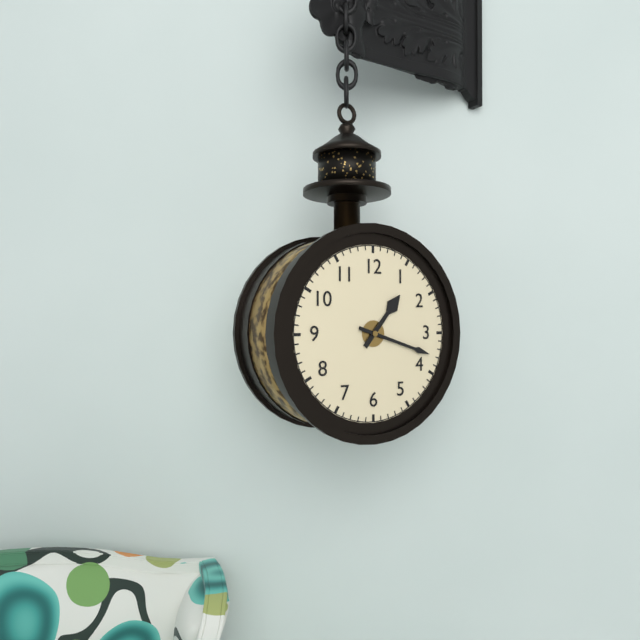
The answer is h=1 m=18
